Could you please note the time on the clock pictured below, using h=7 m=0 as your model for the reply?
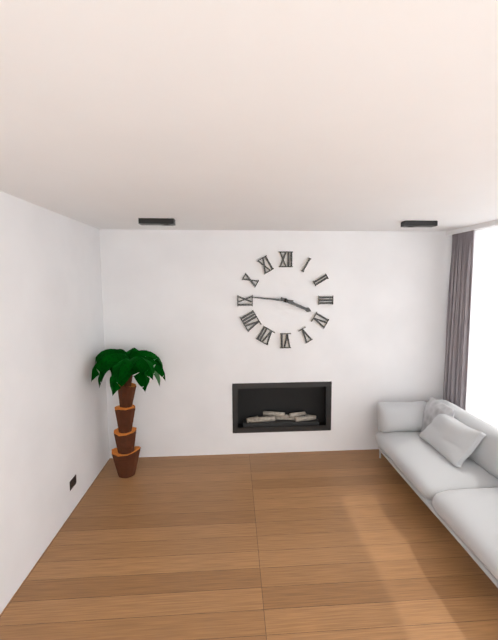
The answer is h=3 m=46
